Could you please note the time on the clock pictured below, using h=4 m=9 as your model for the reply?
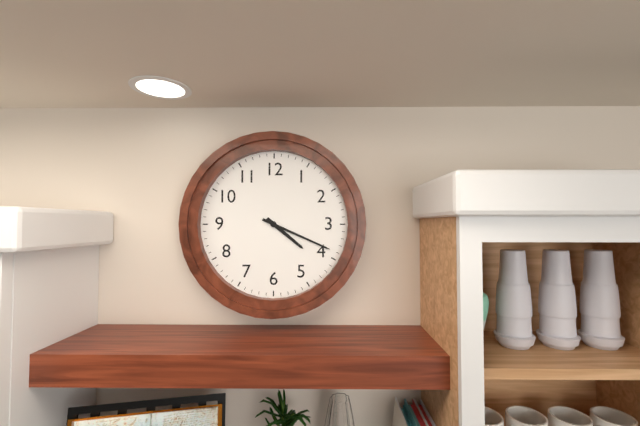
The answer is h=4 m=19
